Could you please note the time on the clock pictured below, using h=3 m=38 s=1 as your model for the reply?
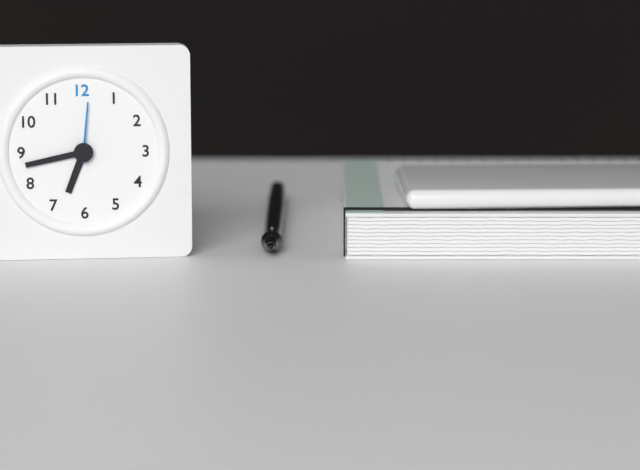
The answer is h=6 m=43 s=1
